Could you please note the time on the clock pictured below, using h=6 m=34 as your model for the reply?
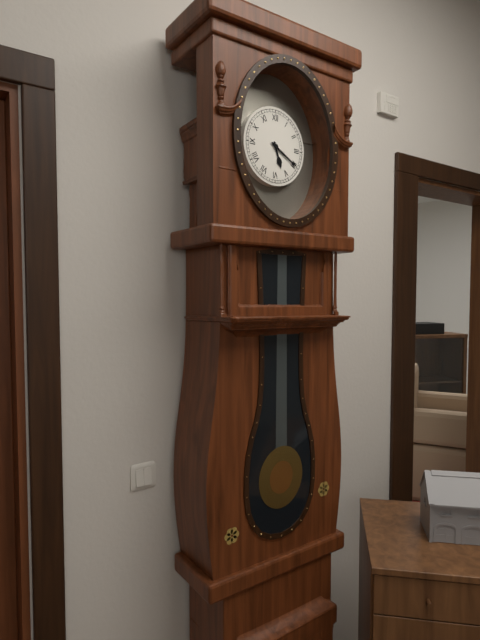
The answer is h=5 m=20
